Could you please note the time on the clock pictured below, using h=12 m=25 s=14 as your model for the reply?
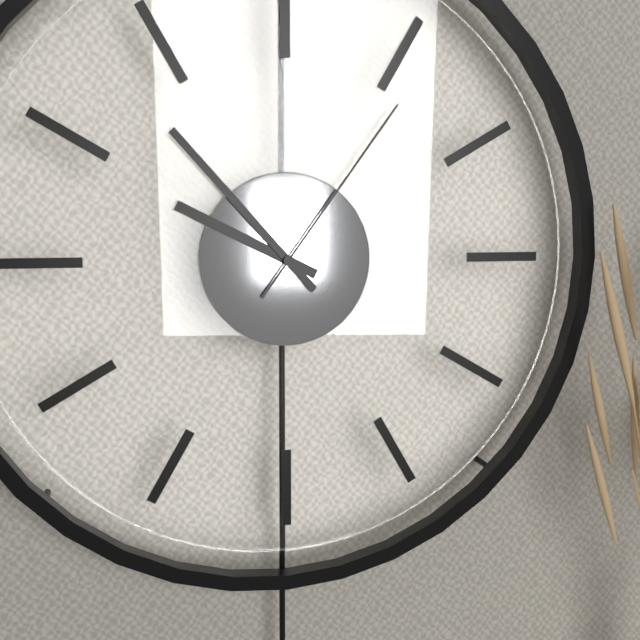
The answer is h=9 m=53 s=6
